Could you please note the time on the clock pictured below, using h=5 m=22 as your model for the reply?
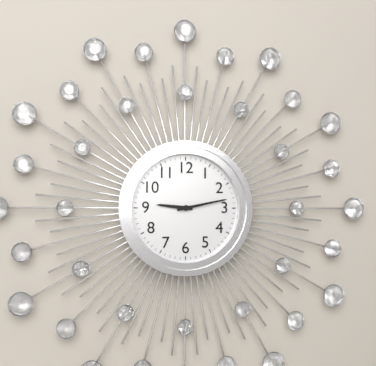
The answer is h=9 m=13
